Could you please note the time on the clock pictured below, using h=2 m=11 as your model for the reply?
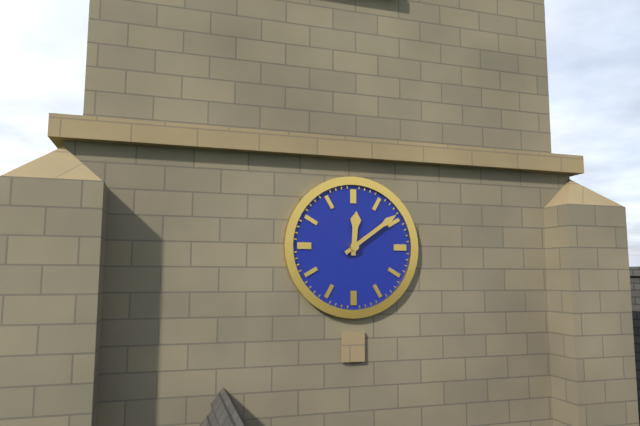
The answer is h=12 m=9
